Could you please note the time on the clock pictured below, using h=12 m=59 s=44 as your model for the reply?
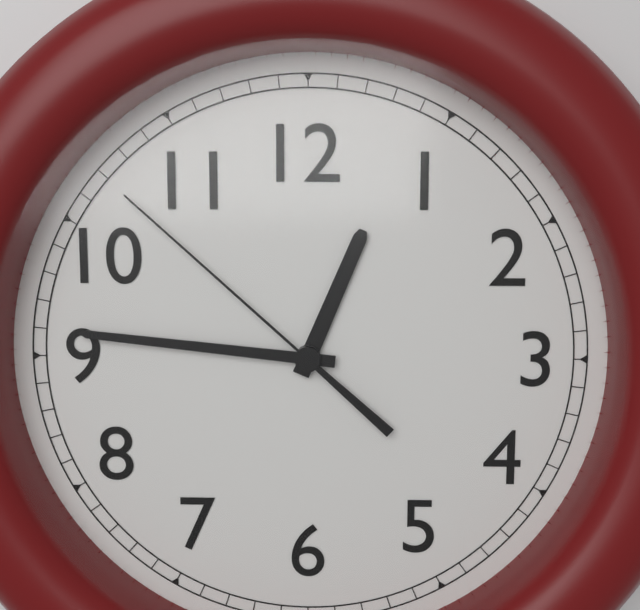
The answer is h=12 m=46 s=52
